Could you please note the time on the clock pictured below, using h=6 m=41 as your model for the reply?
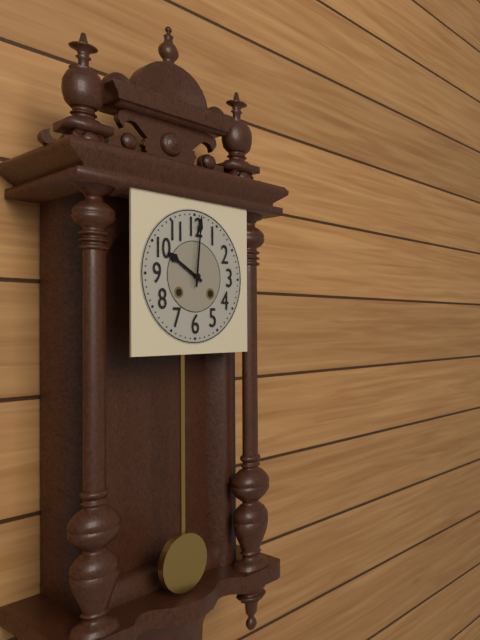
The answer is h=10 m=1
